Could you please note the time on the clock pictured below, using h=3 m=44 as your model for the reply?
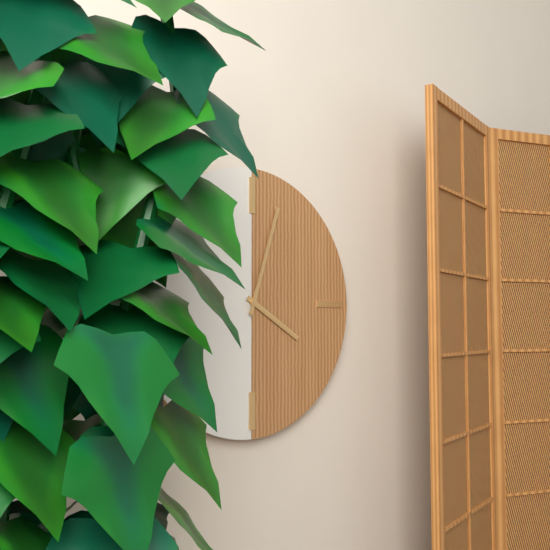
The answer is h=4 m=3
